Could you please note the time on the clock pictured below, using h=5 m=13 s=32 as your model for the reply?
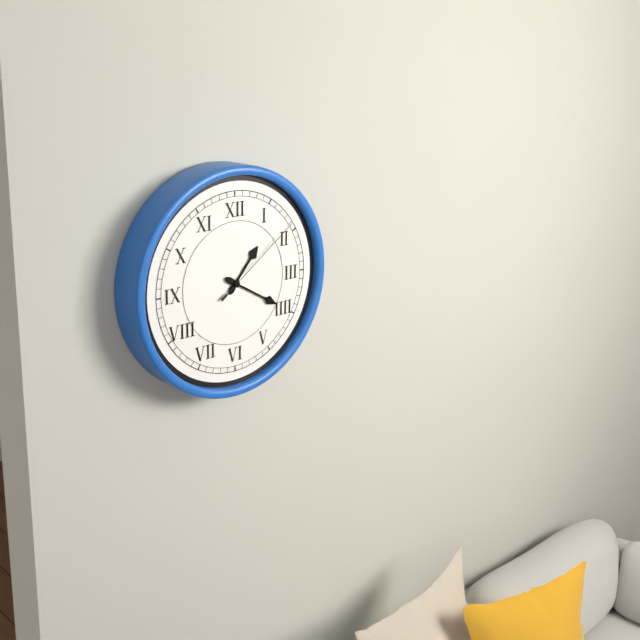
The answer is h=1 m=20 s=9
